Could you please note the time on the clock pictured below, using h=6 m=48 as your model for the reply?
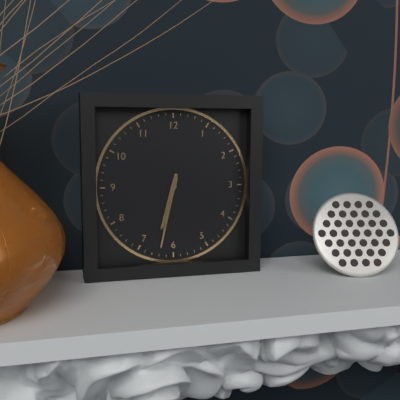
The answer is h=6 m=32
